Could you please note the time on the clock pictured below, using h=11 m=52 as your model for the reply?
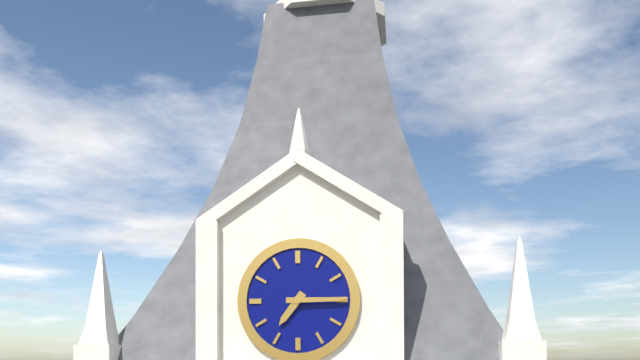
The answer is h=7 m=15
